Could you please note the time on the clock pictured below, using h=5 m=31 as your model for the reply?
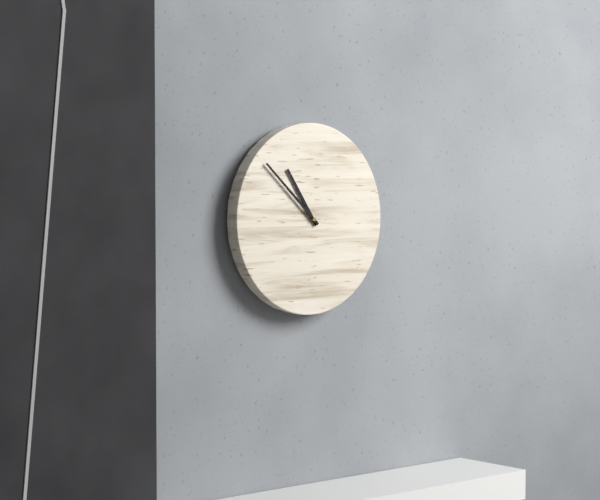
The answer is h=10 m=52
